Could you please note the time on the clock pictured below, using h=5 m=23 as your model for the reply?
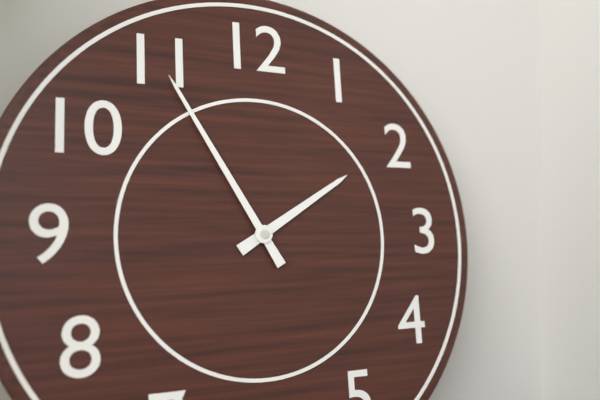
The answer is h=1 m=55
